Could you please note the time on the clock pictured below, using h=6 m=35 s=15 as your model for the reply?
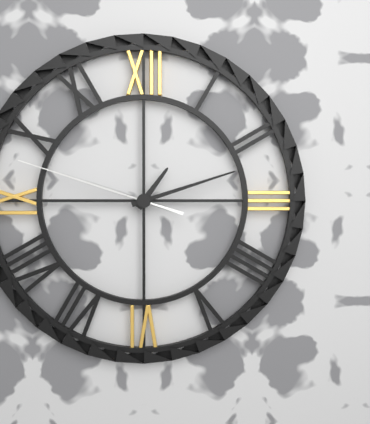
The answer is h=1 m=12 s=48
